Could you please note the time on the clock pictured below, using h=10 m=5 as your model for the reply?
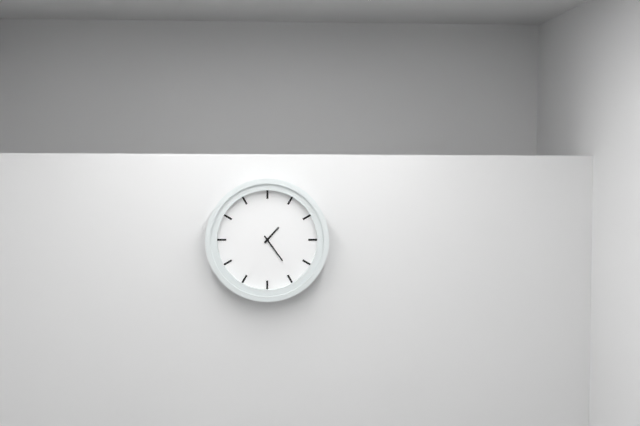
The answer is h=1 m=24
